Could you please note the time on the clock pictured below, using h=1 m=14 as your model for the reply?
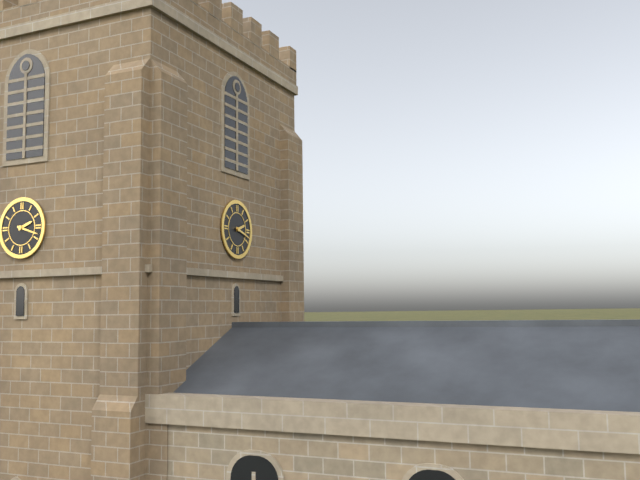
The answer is h=2 m=18
